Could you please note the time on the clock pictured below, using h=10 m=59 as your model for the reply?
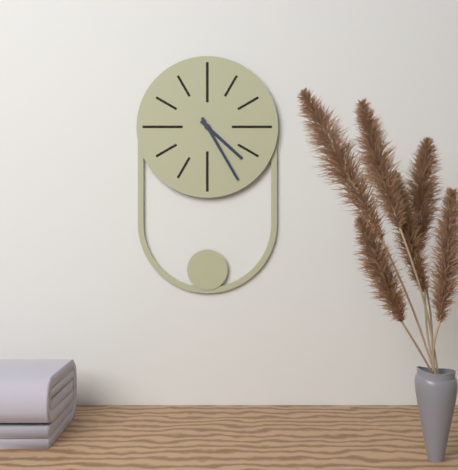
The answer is h=4 m=25
